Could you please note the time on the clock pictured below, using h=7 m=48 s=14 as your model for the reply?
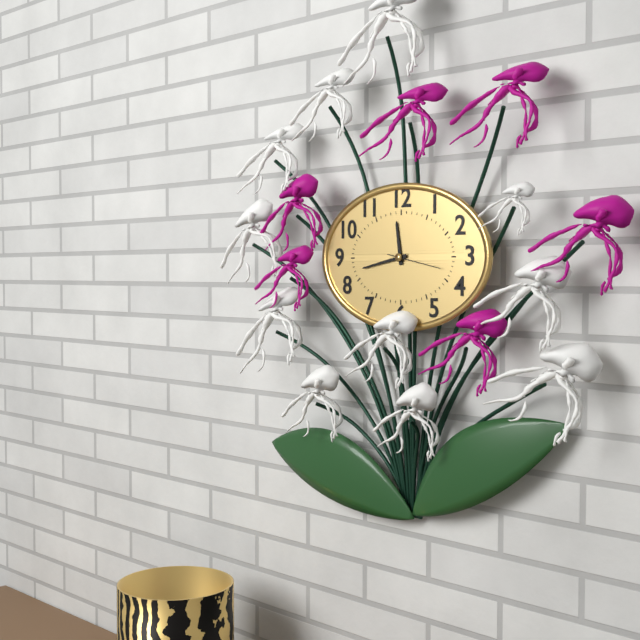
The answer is h=11 m=43 s=17
